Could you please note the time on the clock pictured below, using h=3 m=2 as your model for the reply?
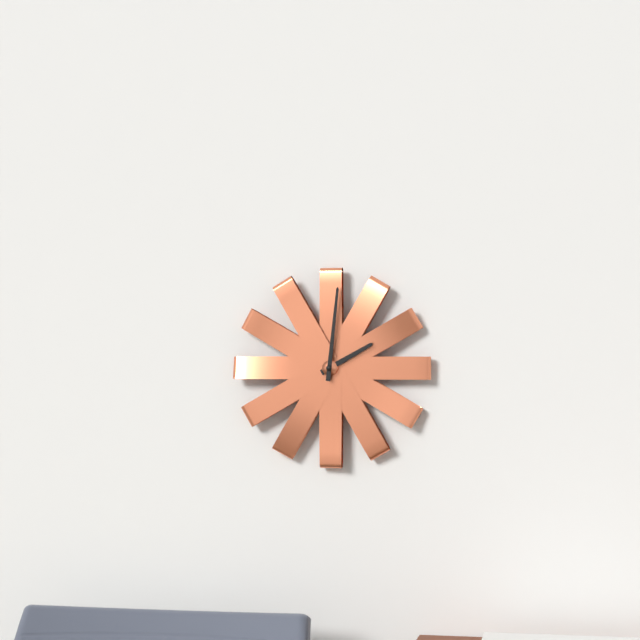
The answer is h=2 m=1
